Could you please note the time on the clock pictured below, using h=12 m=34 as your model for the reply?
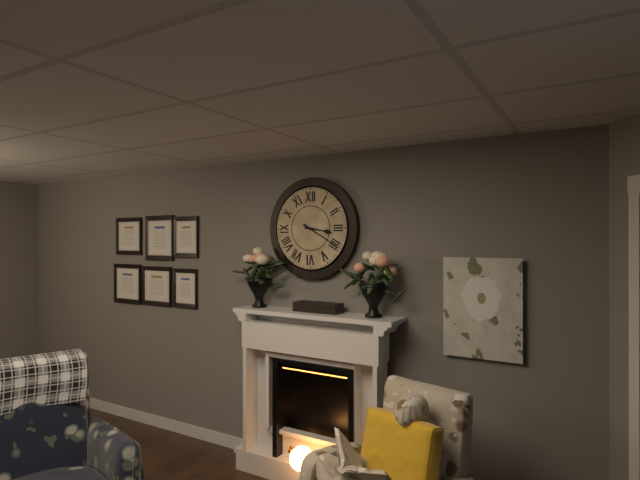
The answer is h=3 m=20
